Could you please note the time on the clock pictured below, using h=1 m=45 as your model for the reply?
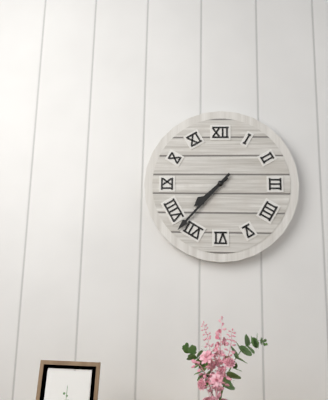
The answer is h=7 m=37
